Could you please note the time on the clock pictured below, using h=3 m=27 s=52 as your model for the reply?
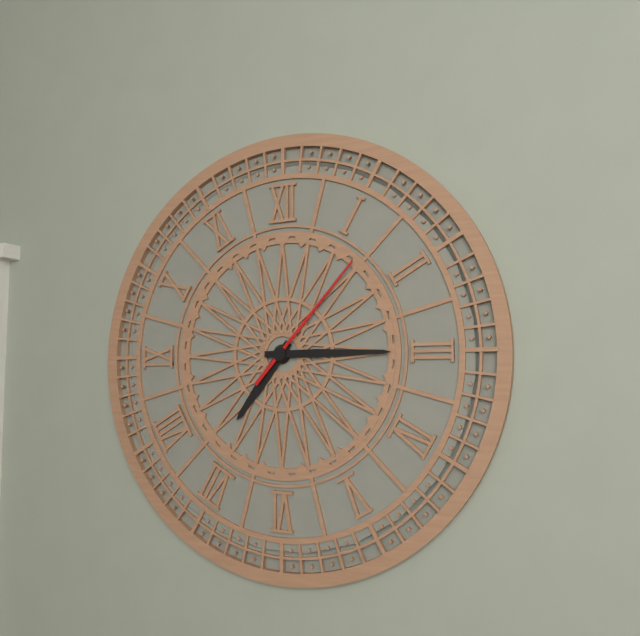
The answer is h=7 m=15 s=7
